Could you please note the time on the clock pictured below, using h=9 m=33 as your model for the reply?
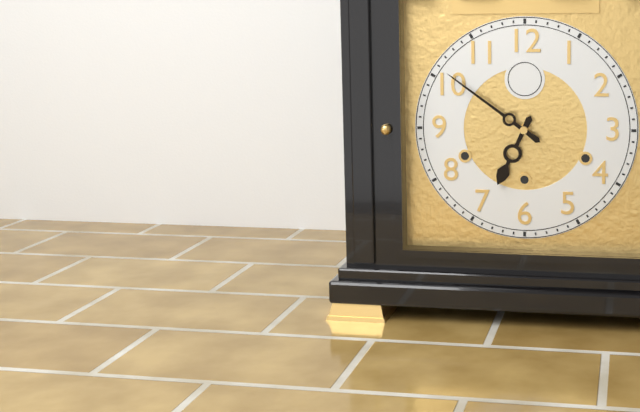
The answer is h=6 m=51
